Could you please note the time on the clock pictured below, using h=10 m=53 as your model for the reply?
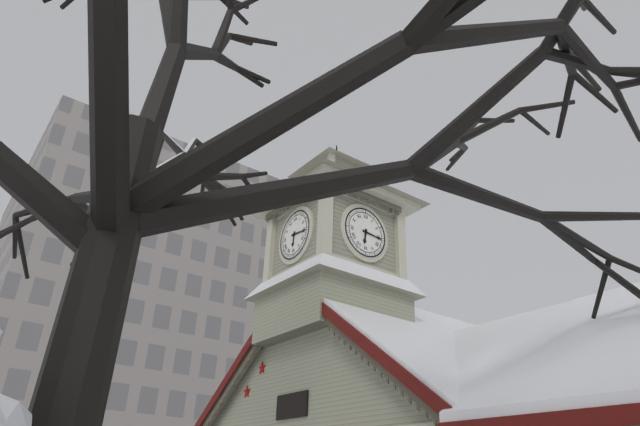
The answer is h=6 m=16
